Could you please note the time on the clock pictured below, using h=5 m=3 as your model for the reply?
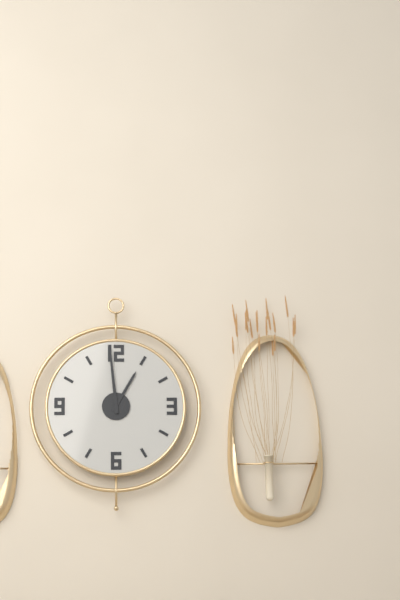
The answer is h=12 m=59
